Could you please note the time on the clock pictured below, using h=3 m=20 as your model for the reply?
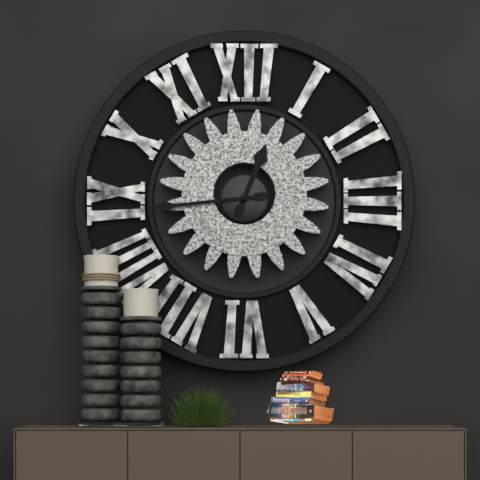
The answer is h=12 m=44
